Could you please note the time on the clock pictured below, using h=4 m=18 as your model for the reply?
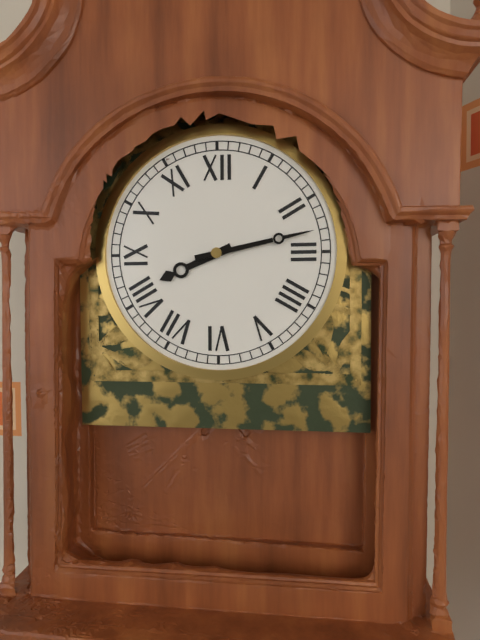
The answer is h=8 m=13
